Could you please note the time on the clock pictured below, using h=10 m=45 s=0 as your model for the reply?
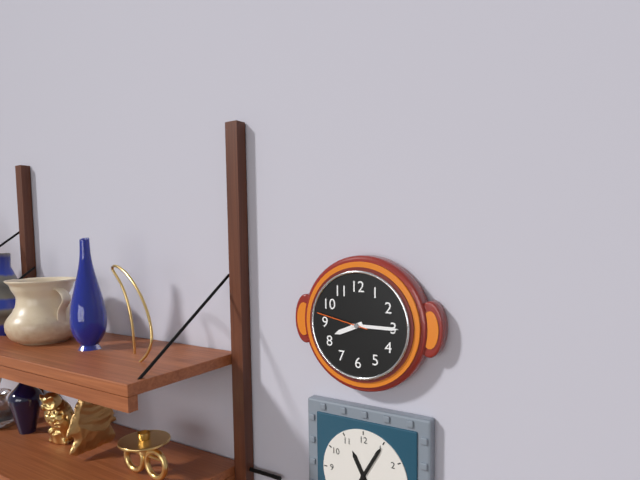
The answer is h=8 m=15 s=47
